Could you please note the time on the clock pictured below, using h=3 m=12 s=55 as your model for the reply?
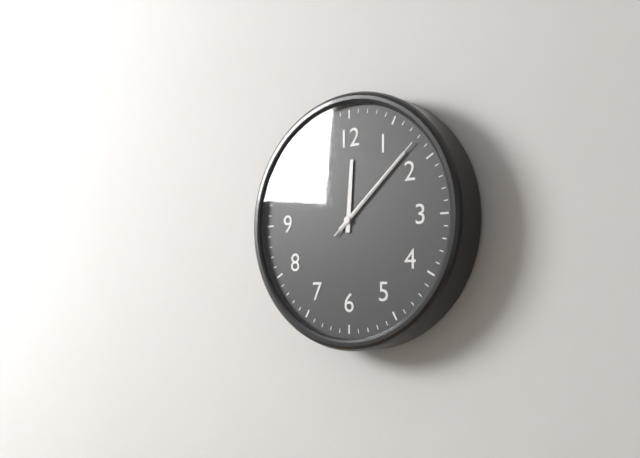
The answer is h=12 m=8 s=8
